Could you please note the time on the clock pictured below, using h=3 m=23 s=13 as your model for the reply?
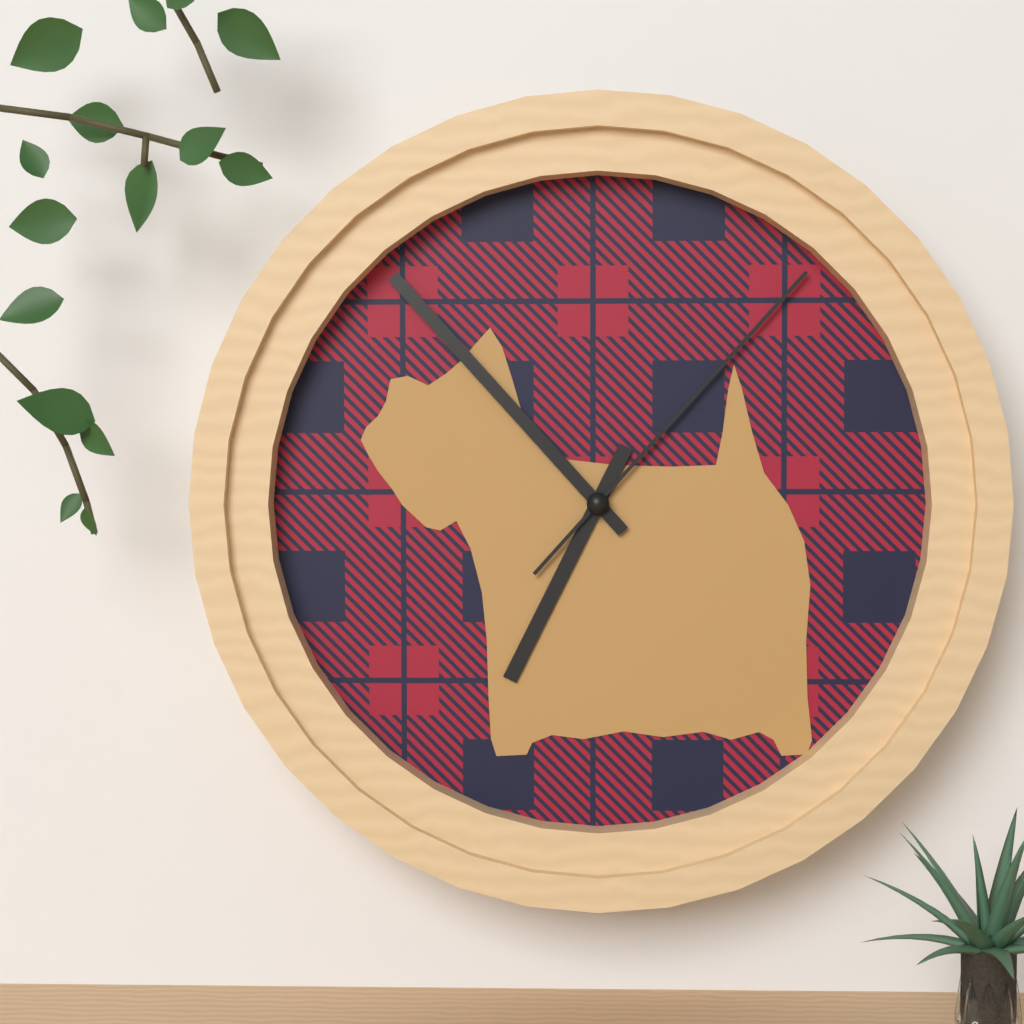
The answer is h=6 m=53 s=7
